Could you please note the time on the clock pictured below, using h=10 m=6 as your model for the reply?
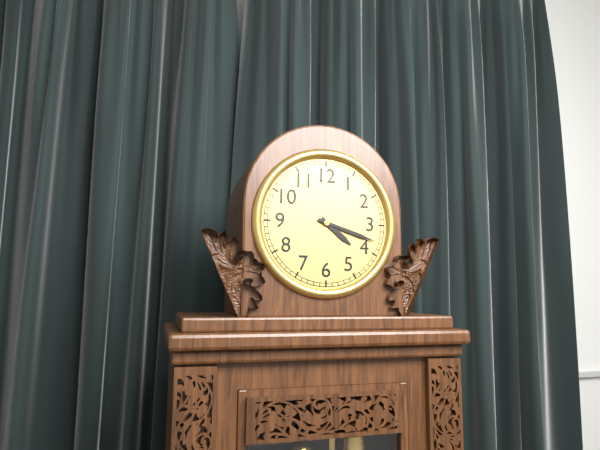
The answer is h=4 m=18
